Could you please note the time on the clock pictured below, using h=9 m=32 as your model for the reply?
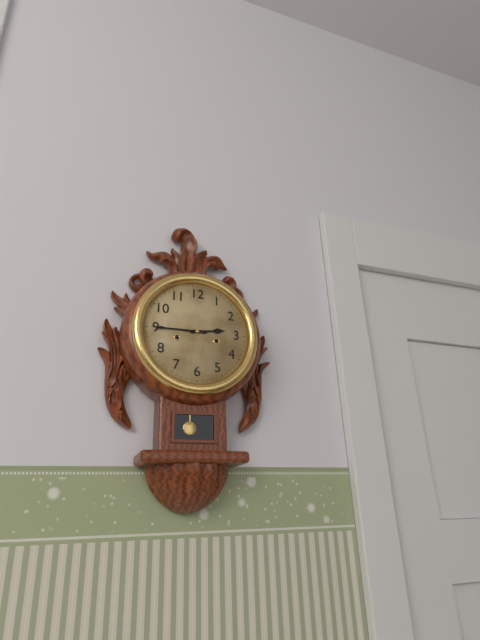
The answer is h=2 m=45
